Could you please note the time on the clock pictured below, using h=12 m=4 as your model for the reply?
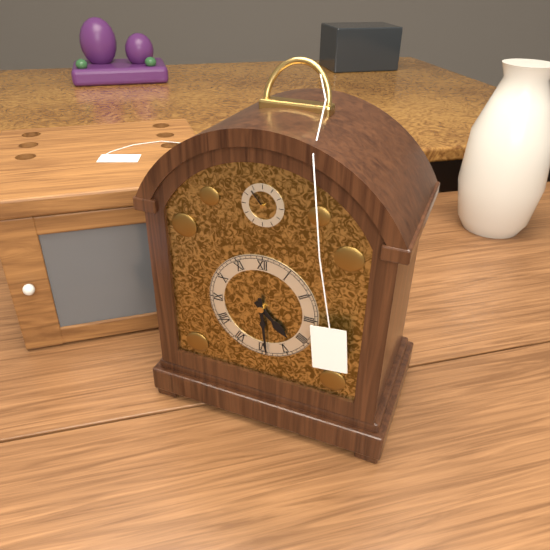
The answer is h=4 m=29
